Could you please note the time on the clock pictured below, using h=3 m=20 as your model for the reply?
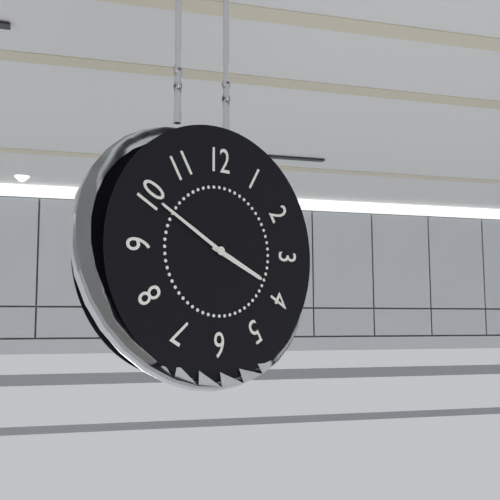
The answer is h=3 m=50
